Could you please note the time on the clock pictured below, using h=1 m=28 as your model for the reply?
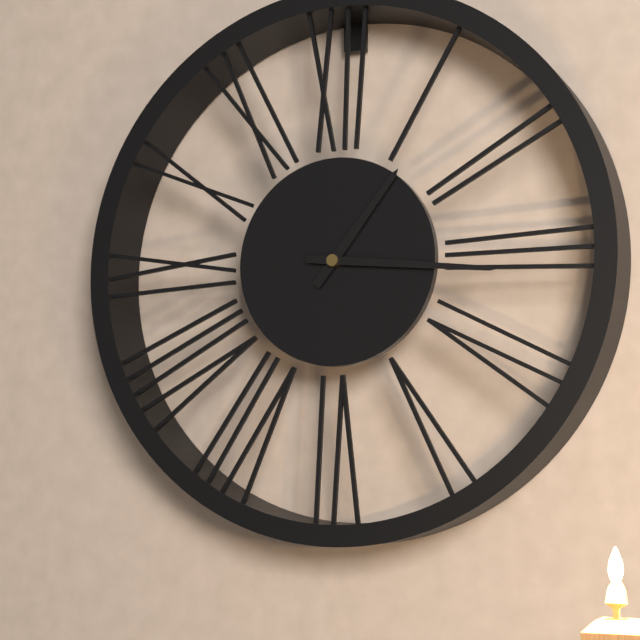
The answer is h=1 m=16
